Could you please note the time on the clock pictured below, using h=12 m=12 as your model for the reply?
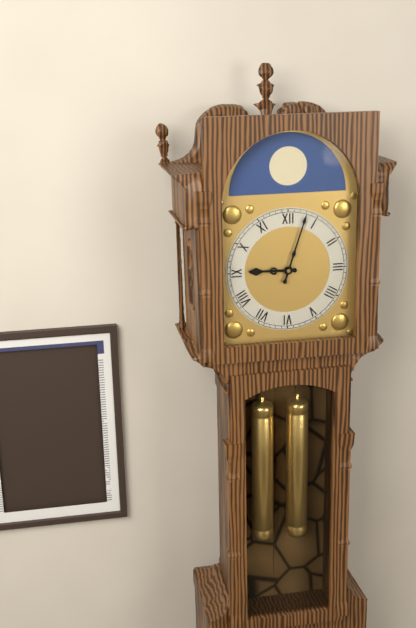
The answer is h=9 m=3
